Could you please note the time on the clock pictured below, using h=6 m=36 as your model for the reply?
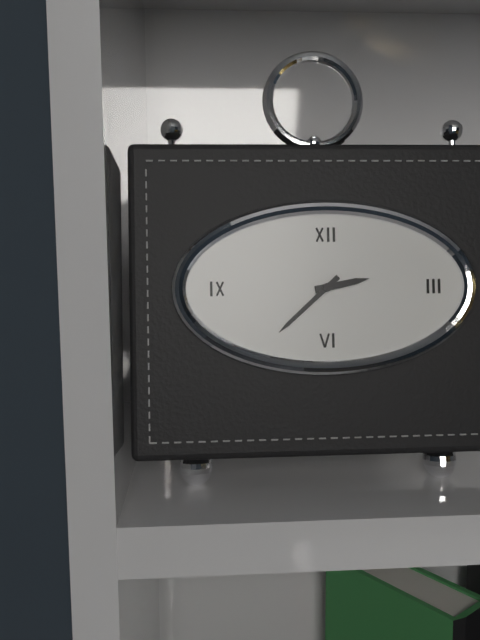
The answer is h=2 m=38
